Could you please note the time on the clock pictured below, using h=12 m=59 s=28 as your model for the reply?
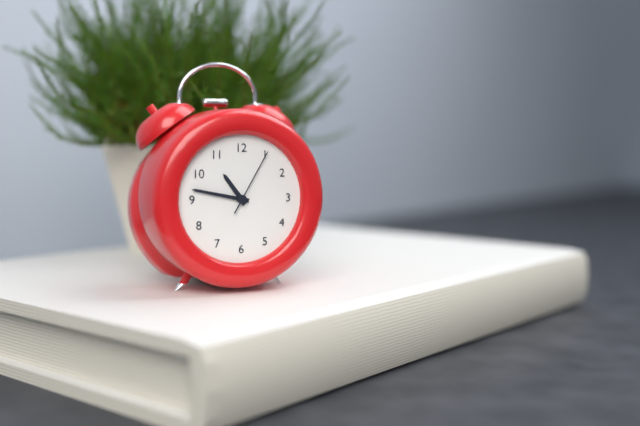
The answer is h=10 m=47 s=5
